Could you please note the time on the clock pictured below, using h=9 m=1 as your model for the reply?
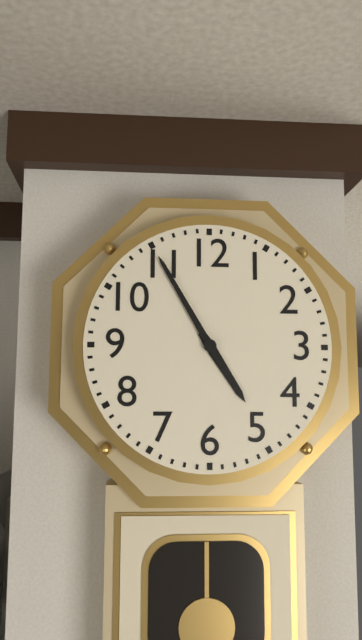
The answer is h=4 m=55
